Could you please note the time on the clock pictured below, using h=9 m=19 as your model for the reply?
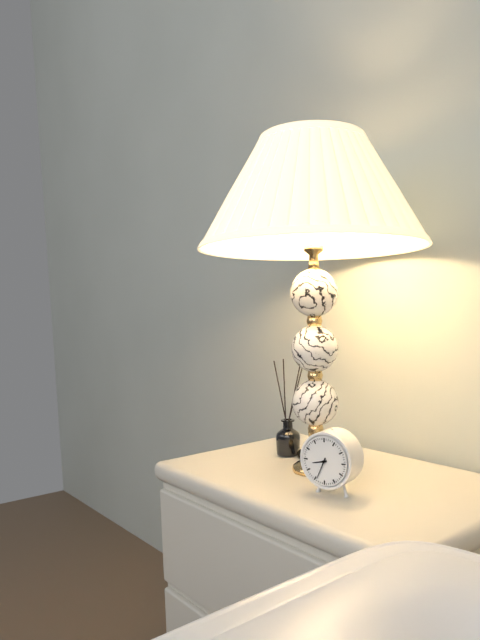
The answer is h=8 m=34
